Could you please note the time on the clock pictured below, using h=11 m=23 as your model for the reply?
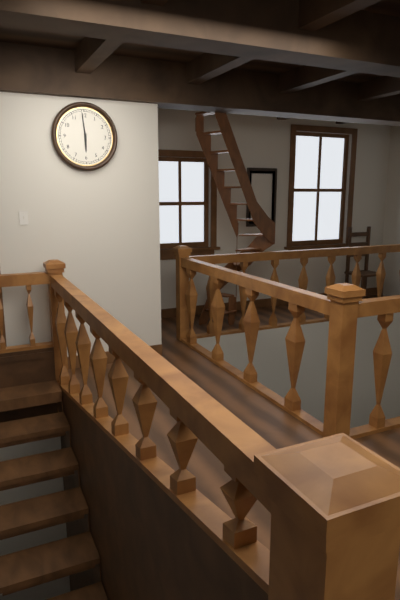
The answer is h=5 m=59
